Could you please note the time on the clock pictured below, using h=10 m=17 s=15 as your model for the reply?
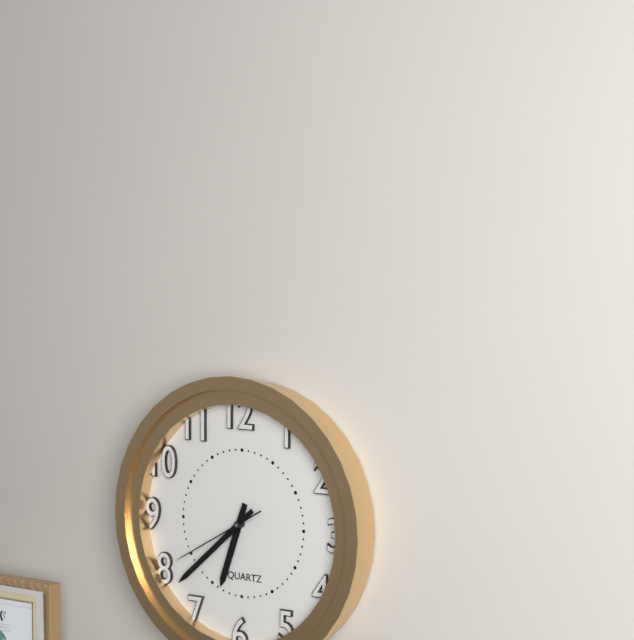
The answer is h=6 m=38 s=40
